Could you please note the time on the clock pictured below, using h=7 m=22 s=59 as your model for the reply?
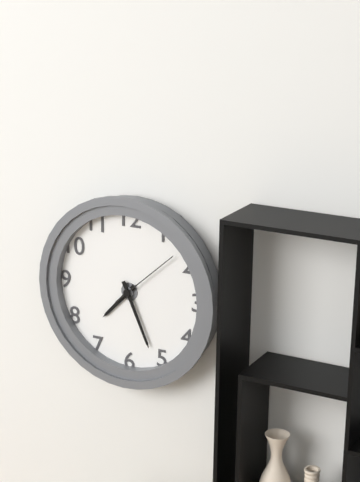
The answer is h=7 m=26 s=8
